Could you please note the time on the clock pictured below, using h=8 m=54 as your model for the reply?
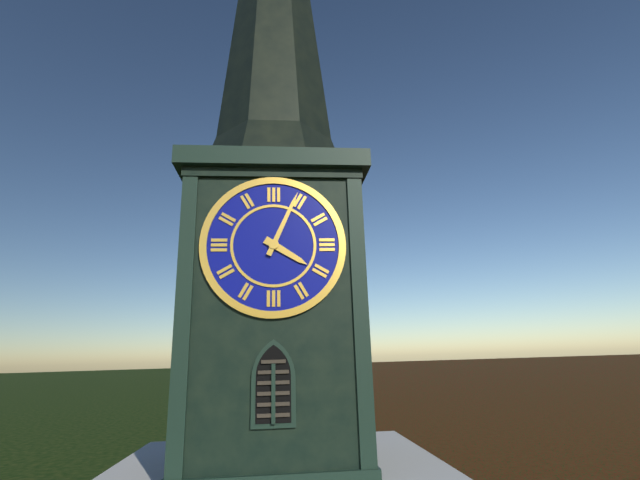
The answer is h=4 m=4
